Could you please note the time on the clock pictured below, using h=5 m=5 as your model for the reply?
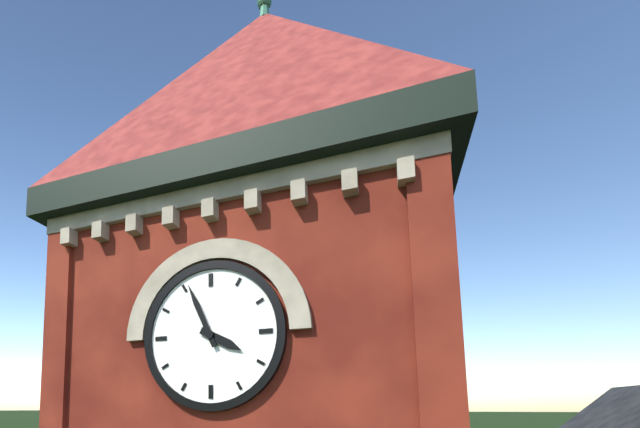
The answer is h=3 m=56
